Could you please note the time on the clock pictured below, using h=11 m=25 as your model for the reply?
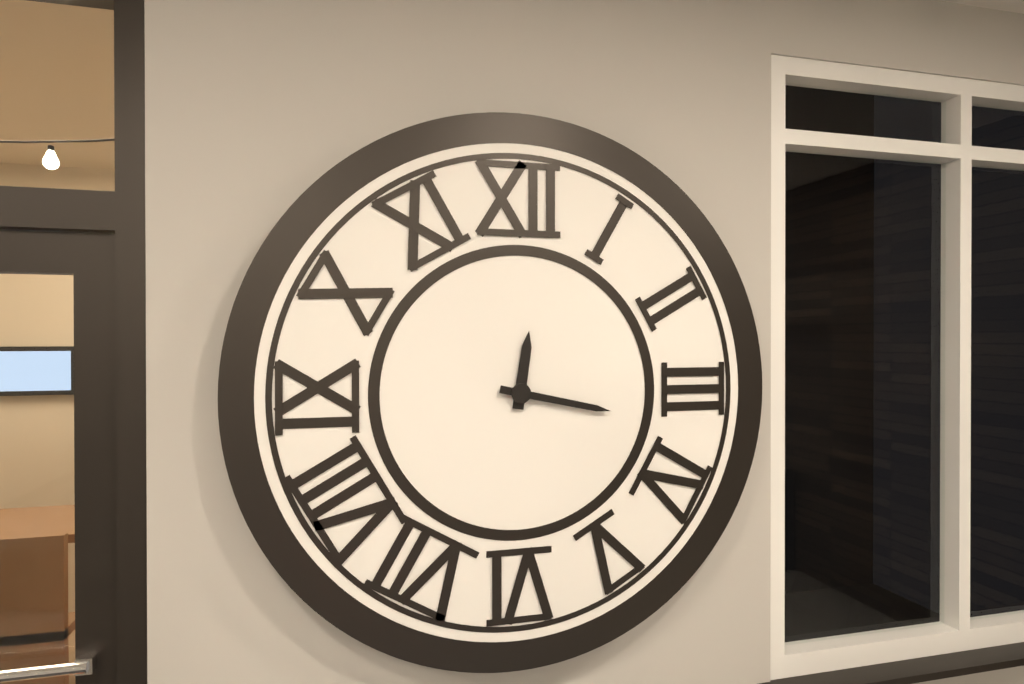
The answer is h=12 m=17
